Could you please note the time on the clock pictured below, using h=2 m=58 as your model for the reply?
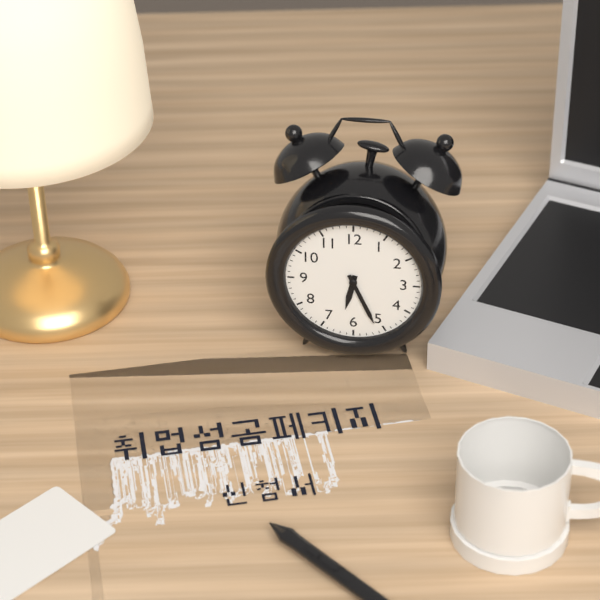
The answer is h=6 m=26
